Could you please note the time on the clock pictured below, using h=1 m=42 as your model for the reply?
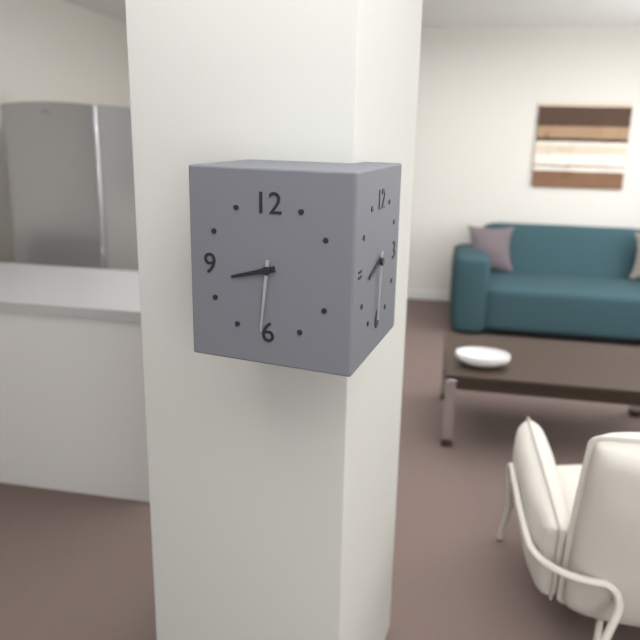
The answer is h=8 m=31
